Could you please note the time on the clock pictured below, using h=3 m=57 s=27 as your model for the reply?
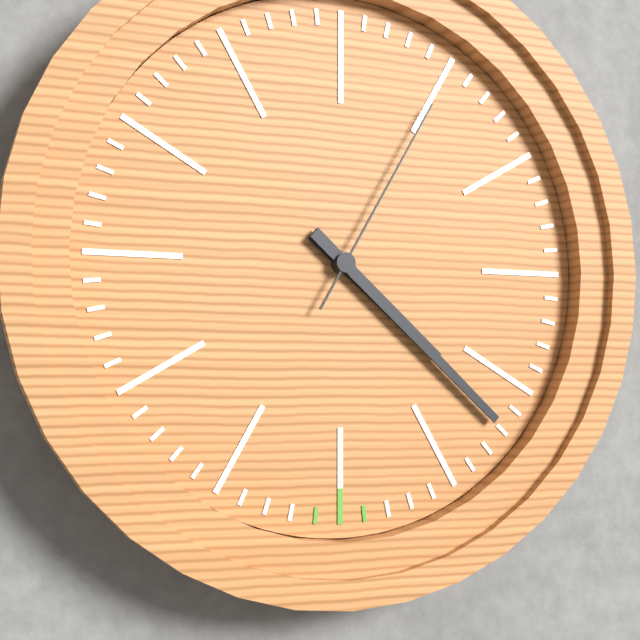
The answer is h=4 m=22 s=5
